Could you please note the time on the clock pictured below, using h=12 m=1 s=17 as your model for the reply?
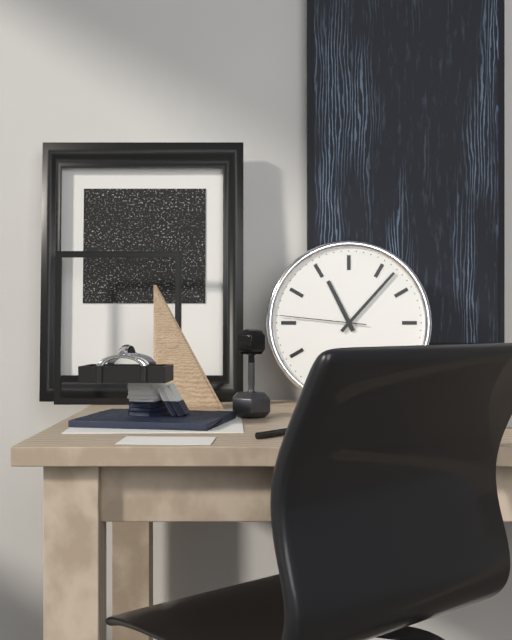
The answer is h=11 m=7 s=46
